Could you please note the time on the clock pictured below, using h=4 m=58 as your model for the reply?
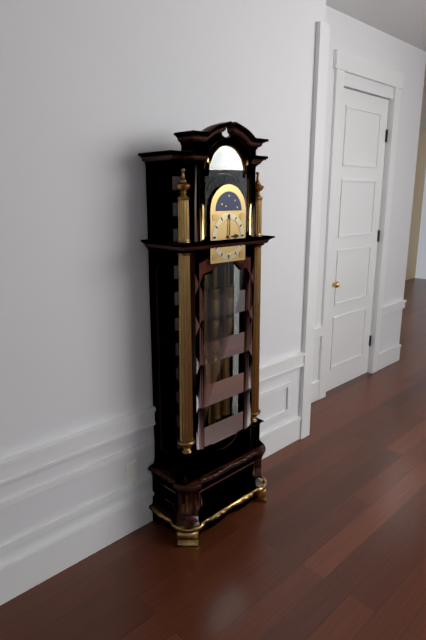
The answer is h=3 m=0
